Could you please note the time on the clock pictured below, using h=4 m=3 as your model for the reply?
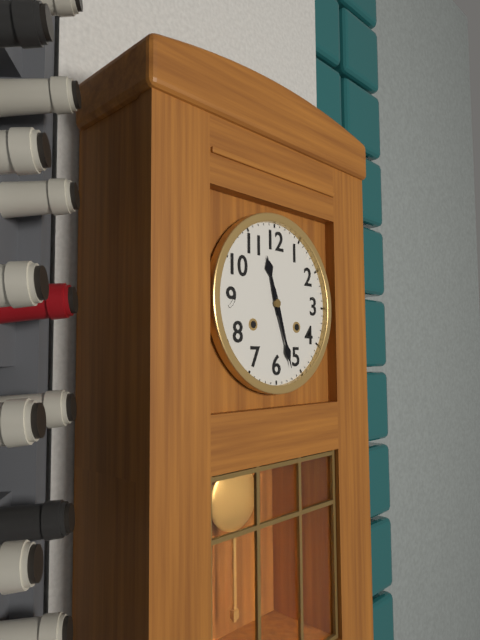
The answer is h=11 m=27
